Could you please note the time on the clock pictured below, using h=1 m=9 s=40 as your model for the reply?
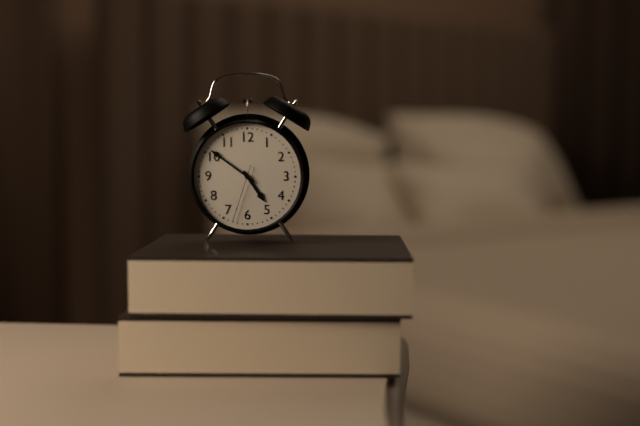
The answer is h=4 m=51 s=33
